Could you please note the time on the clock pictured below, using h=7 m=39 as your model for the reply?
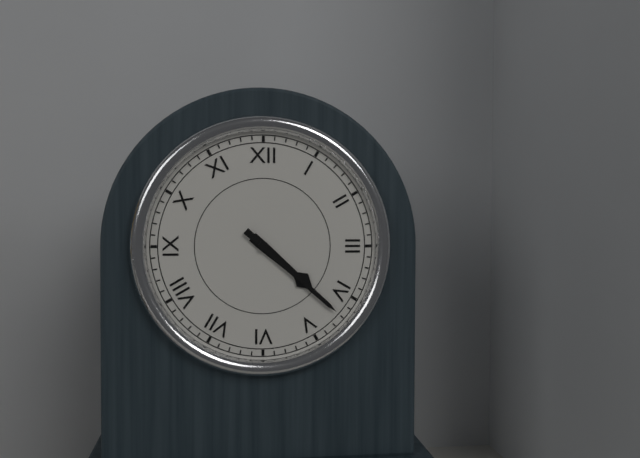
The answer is h=4 m=22
